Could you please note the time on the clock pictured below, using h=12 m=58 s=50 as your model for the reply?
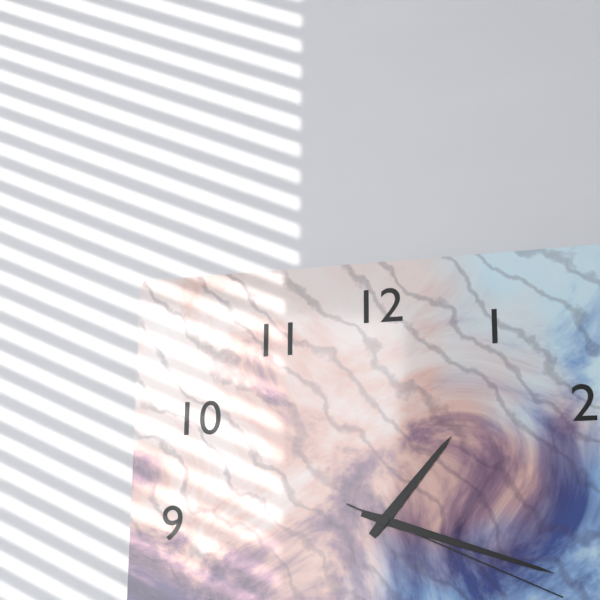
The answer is h=1 m=18 s=19
